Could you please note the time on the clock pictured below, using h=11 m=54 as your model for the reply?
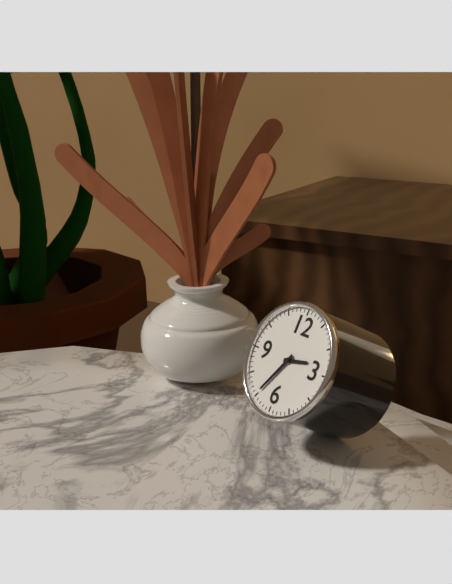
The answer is h=2 m=35
